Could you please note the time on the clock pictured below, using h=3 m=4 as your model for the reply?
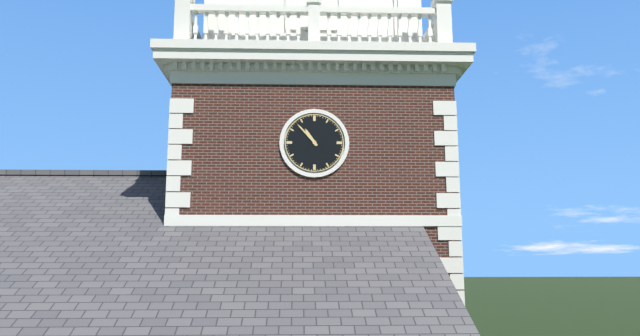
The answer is h=10 m=53
